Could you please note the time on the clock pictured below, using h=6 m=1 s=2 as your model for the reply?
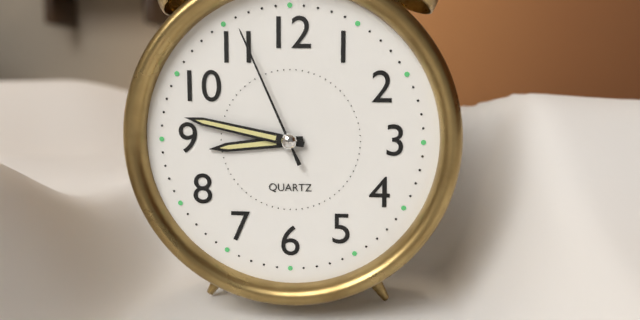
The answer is h=8 m=47 s=56
